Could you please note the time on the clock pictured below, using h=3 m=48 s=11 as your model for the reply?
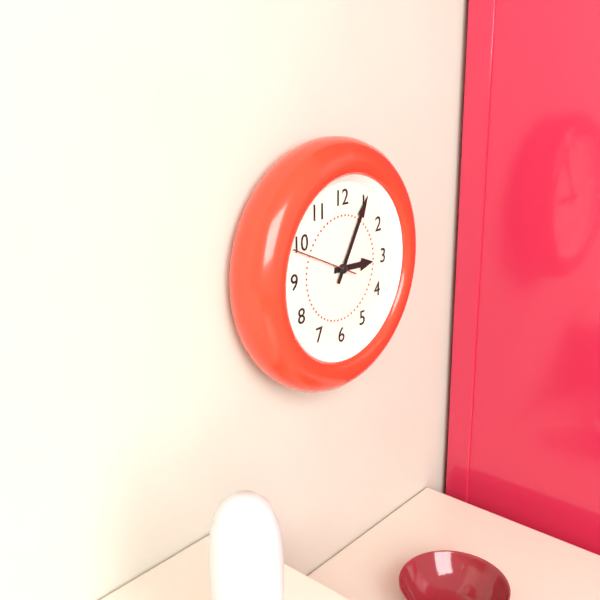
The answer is h=3 m=5 s=49
